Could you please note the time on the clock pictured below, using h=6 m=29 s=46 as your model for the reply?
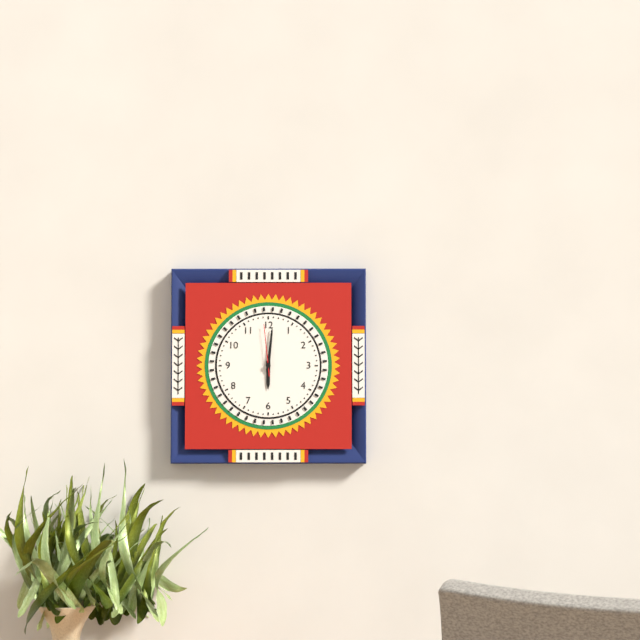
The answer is h=6 m=1 s=59
